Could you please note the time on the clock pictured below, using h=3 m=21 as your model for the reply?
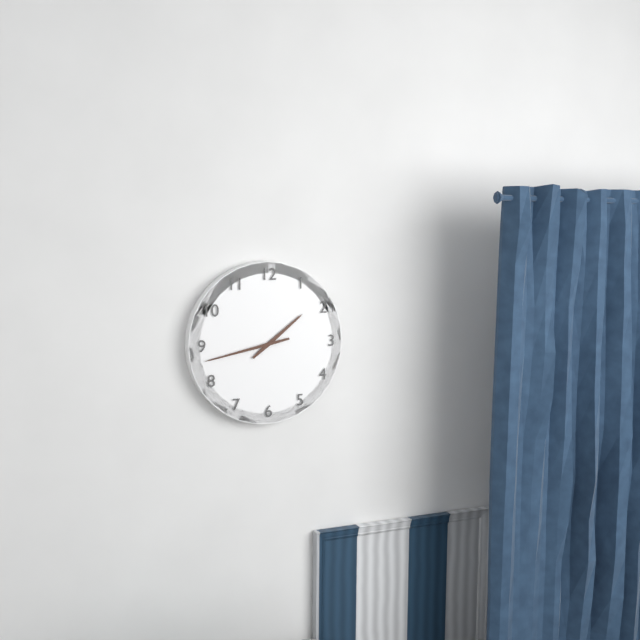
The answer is h=1 m=43
